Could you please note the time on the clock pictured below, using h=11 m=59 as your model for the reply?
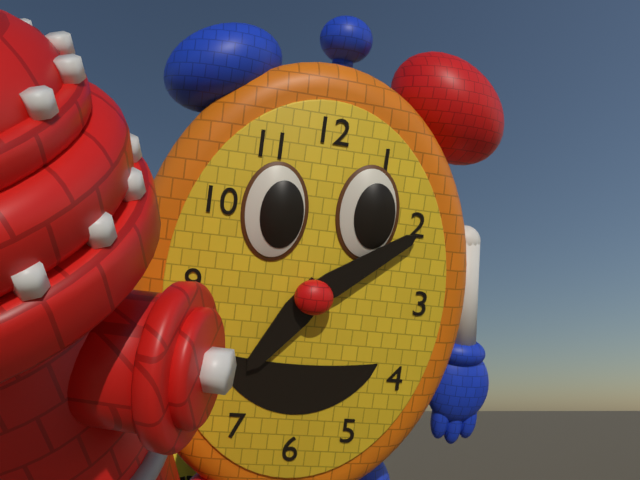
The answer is h=7 m=9
